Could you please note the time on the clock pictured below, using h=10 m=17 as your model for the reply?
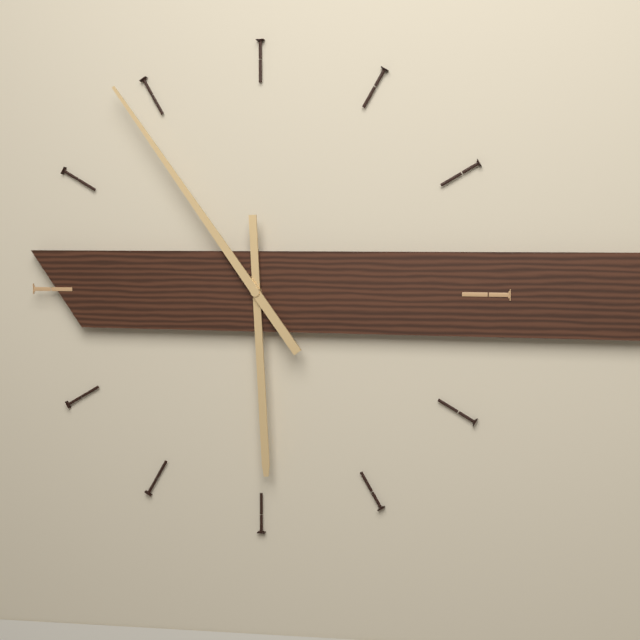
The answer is h=5 m=54
